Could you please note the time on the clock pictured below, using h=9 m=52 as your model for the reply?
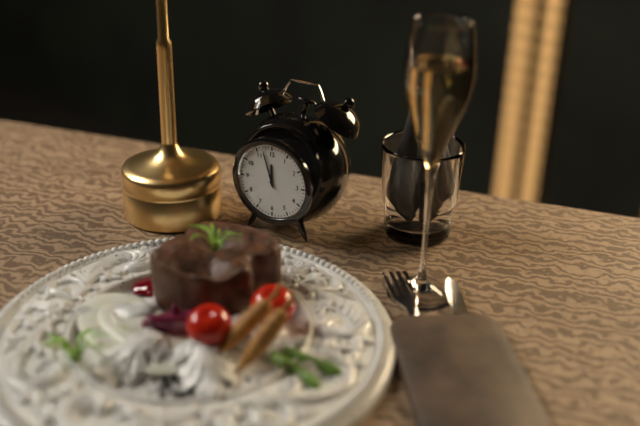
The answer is h=11 m=57
